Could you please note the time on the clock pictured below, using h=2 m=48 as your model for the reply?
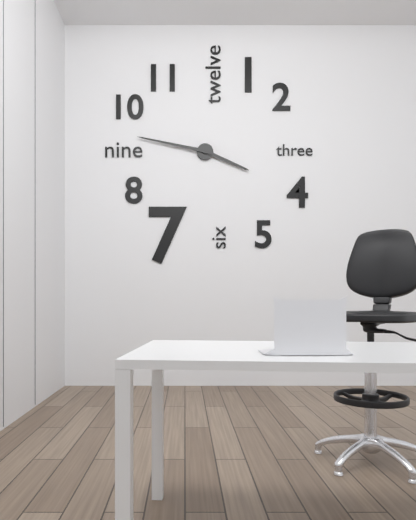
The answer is h=3 m=47
